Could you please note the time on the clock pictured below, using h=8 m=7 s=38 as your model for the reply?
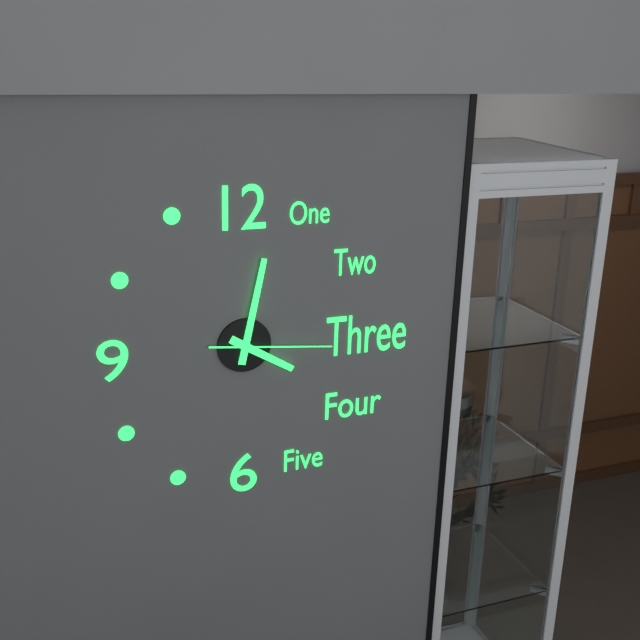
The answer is h=4 m=2 s=16
